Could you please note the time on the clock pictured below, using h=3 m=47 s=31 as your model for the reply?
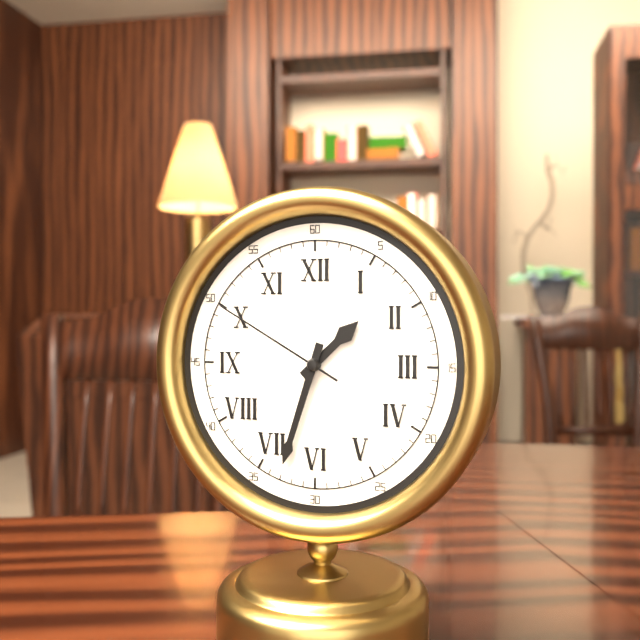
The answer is h=1 m=33 s=50
